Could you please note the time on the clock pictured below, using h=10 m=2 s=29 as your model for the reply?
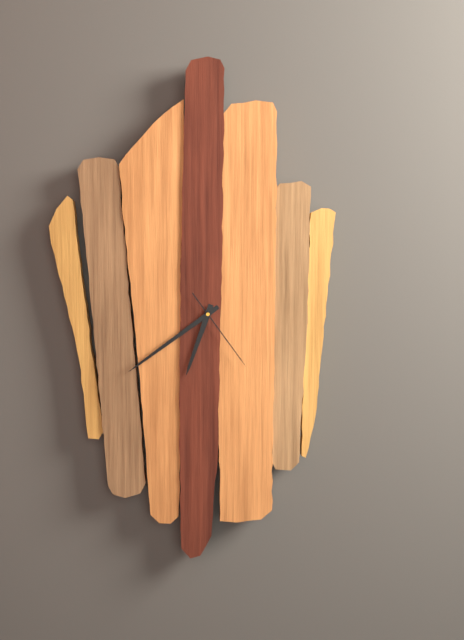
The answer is h=6 m=39 s=24
